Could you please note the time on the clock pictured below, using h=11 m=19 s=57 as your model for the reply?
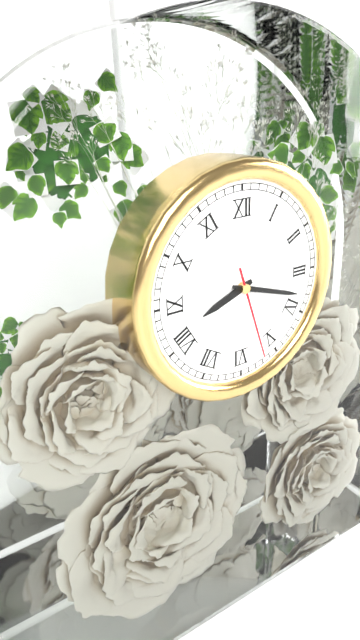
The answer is h=8 m=18 s=27
